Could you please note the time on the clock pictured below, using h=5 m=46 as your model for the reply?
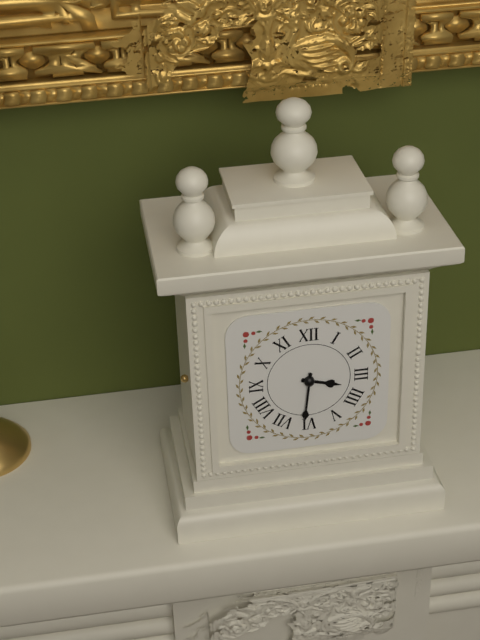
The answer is h=3 m=31
